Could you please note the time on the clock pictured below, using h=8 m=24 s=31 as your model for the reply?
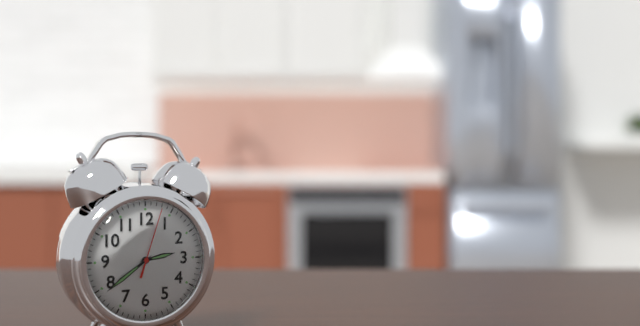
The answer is h=2 m=39 s=3
